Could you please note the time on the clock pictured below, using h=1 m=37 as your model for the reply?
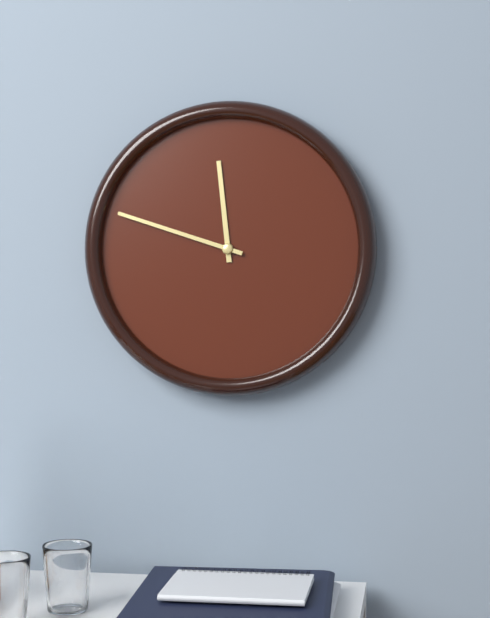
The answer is h=11 m=48
